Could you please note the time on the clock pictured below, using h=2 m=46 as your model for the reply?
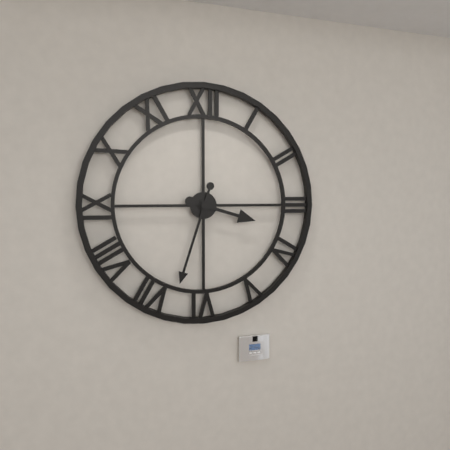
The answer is h=3 m=33
